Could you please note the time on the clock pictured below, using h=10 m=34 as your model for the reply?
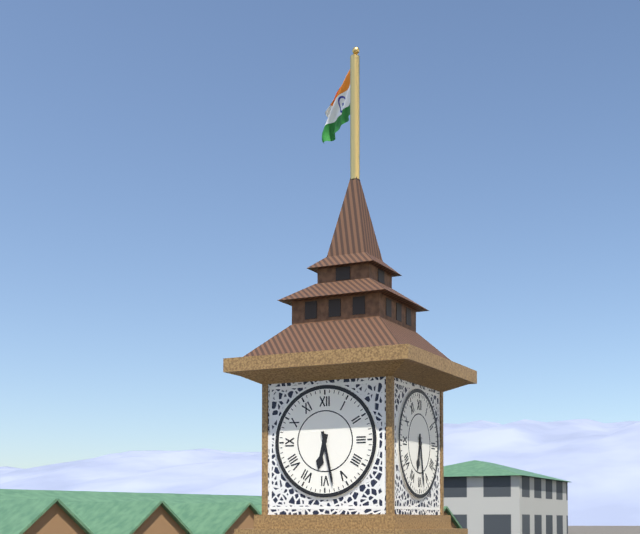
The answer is h=6 m=28
